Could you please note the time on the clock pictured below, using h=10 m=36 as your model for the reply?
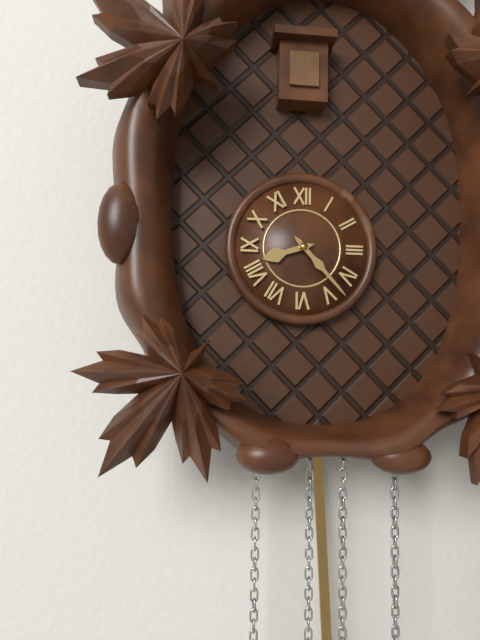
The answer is h=8 m=23
